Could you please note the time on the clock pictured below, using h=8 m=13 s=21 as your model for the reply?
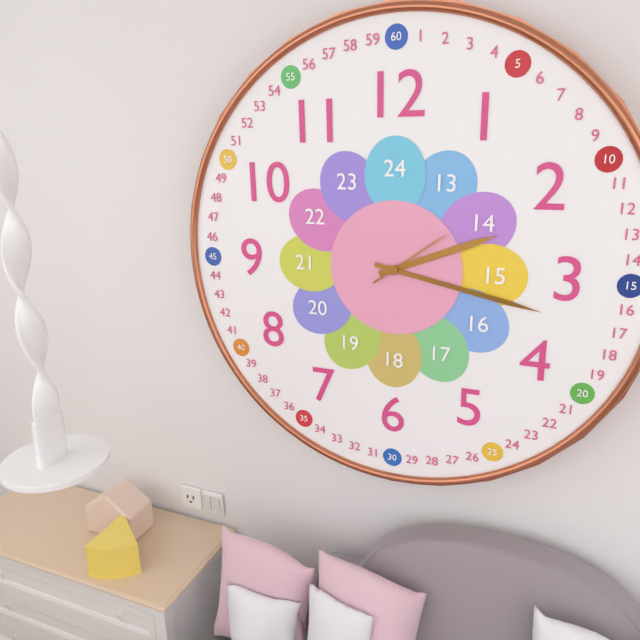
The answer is h=2 m=17 s=9
